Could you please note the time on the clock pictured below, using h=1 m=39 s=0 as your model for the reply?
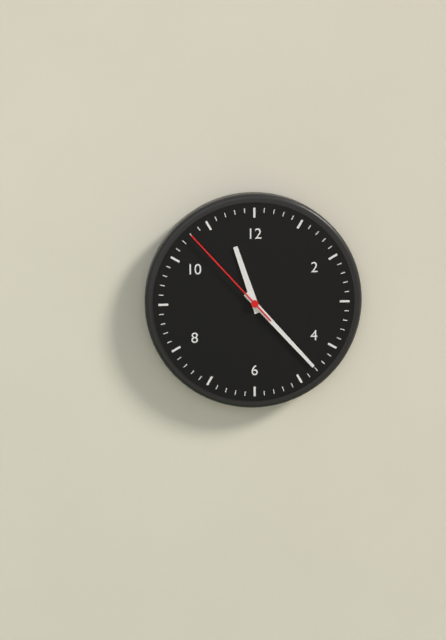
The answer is h=11 m=23 s=53
